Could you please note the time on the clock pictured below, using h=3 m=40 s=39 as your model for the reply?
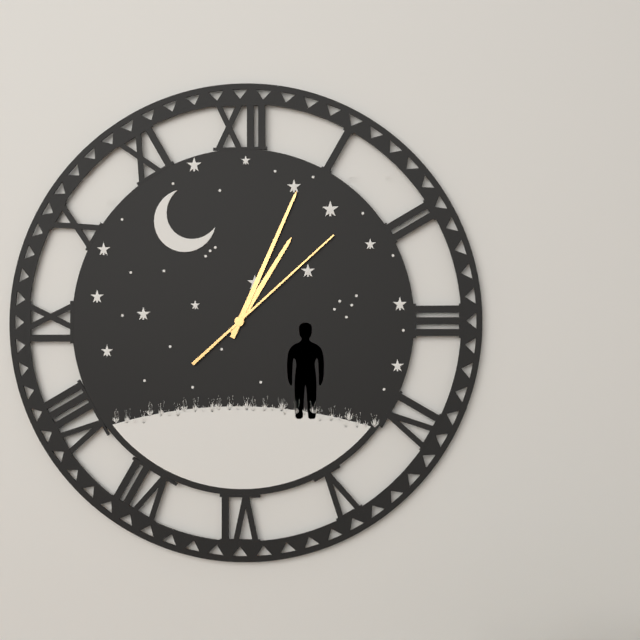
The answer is h=1 m=4 s=8
